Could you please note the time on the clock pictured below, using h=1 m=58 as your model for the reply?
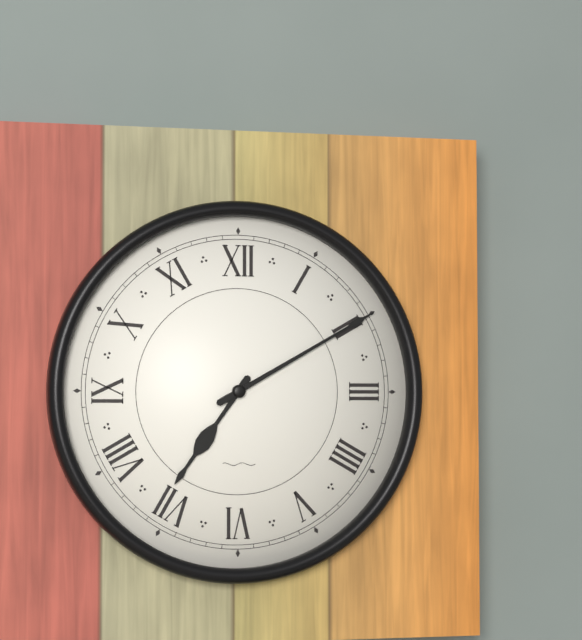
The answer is h=7 m=10
